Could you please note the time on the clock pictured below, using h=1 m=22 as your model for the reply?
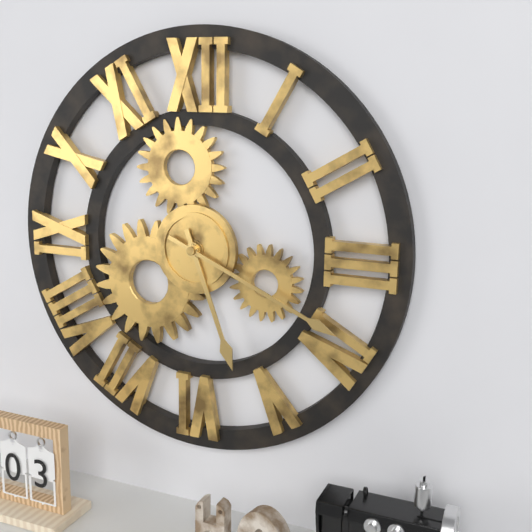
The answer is h=5 m=19
